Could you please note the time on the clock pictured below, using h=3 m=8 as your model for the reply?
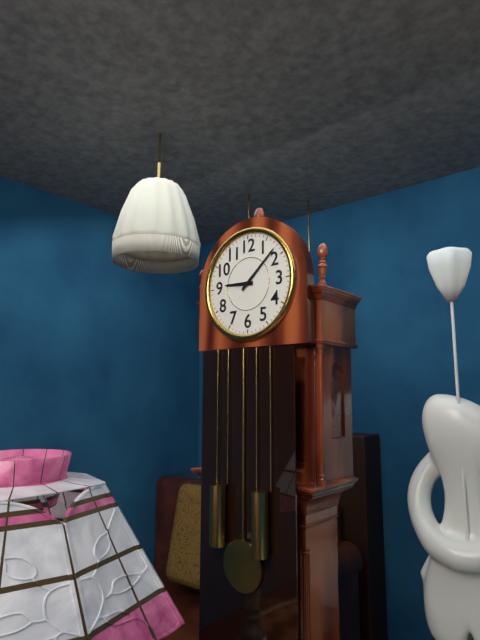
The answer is h=9 m=8
